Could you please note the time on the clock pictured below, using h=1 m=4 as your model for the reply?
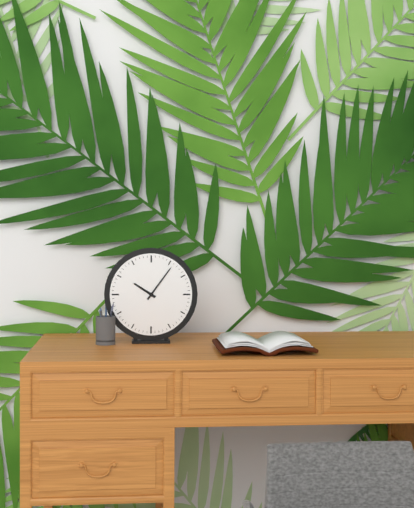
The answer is h=10 m=6
